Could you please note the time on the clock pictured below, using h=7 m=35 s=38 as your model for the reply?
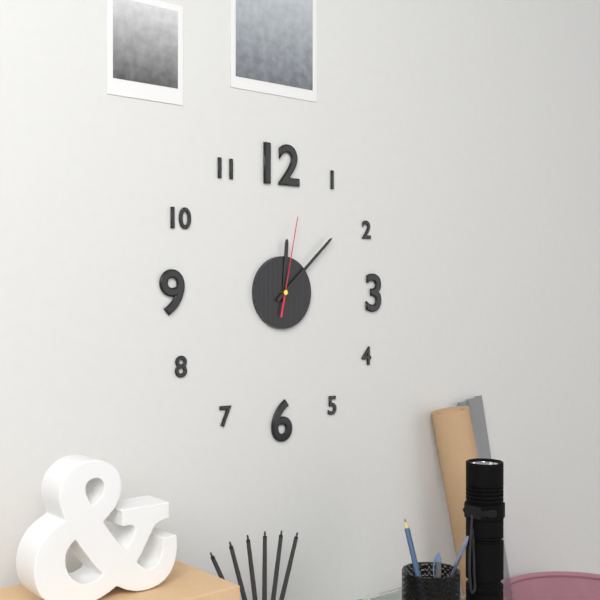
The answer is h=12 m=8 s=2
